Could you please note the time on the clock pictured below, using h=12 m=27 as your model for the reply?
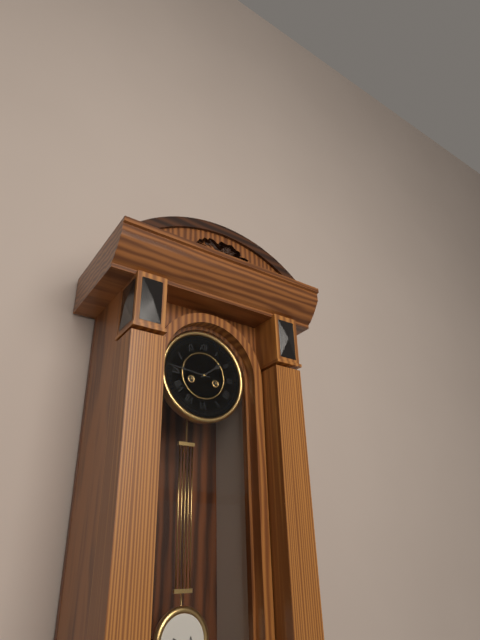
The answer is h=1 m=46
